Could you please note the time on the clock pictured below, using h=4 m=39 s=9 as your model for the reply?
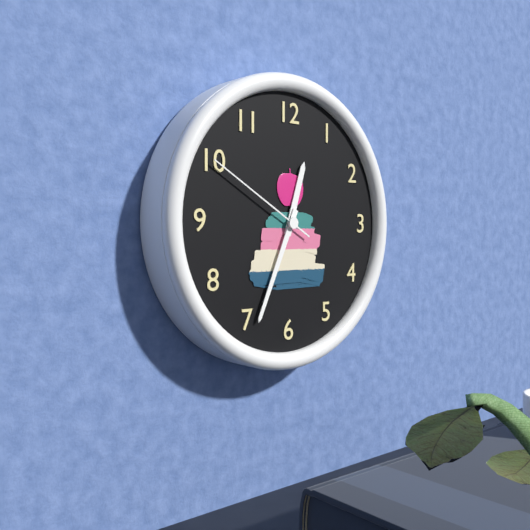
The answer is h=12 m=34 s=50
